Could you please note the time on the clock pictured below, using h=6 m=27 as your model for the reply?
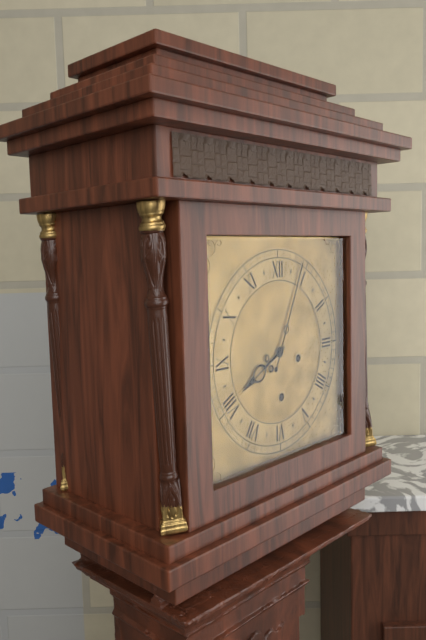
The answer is h=8 m=4
